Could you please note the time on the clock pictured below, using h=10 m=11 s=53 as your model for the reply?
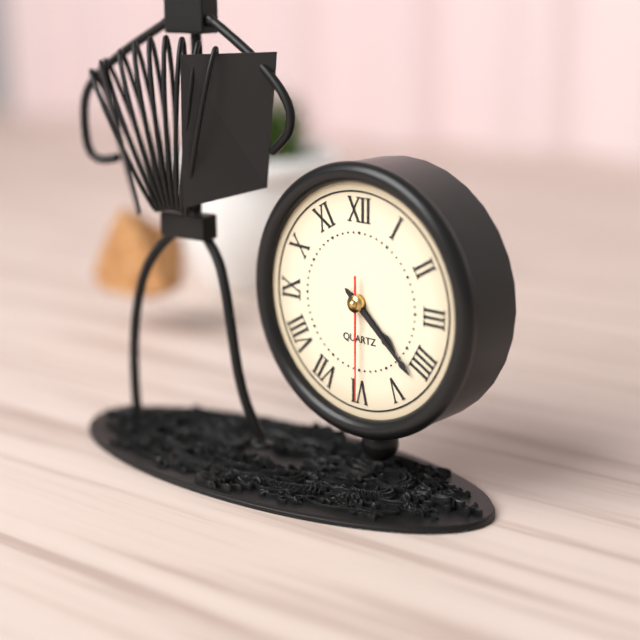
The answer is h=4 m=22 s=30
